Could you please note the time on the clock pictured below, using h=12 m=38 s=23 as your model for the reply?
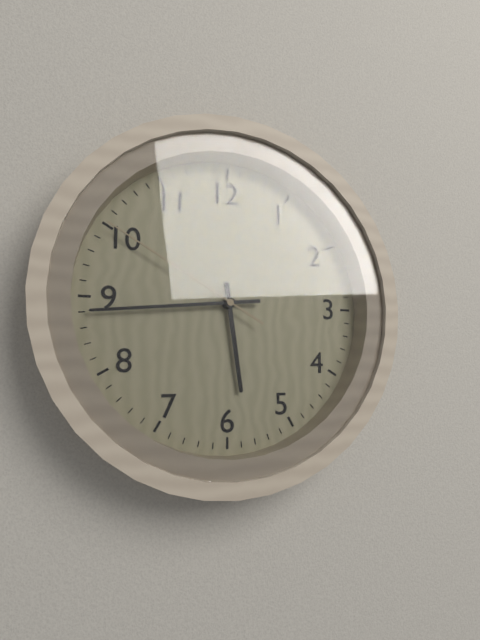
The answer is h=5 m=44 s=50
